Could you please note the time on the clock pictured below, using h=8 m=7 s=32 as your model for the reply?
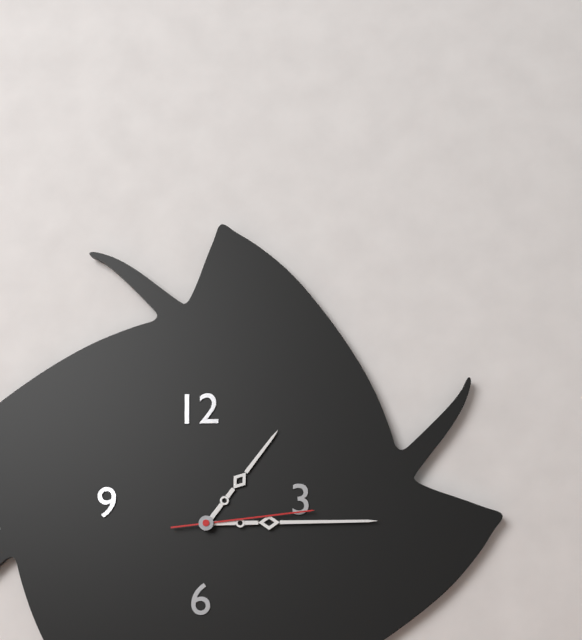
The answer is h=1 m=15 s=14
